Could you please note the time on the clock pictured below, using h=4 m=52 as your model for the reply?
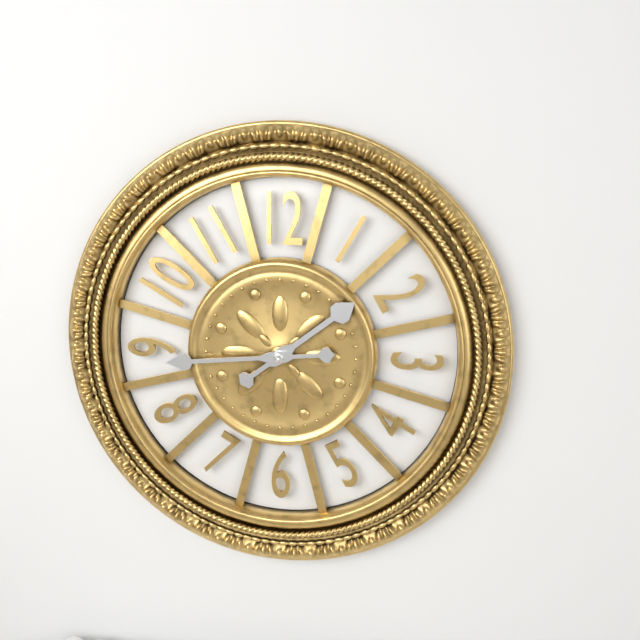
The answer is h=1 m=44
